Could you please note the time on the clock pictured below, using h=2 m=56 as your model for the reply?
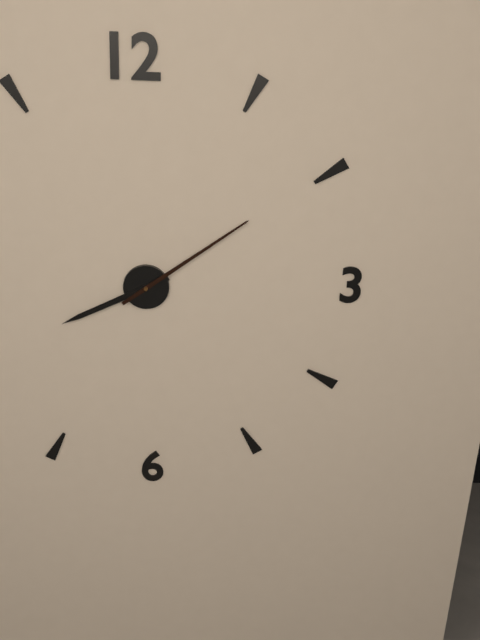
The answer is h=8 m=9
